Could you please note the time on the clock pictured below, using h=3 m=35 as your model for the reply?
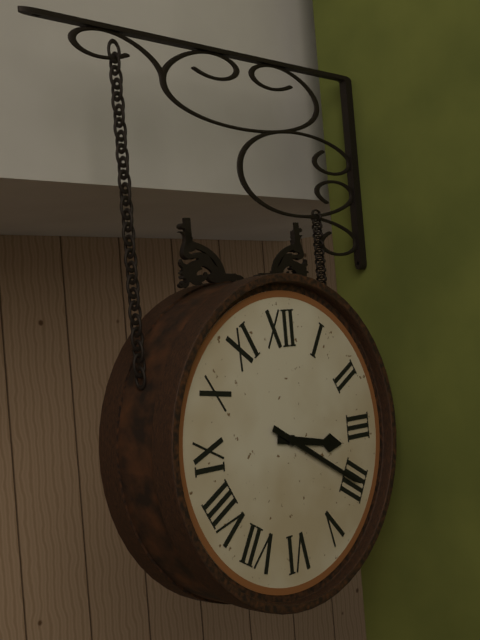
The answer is h=3 m=20
